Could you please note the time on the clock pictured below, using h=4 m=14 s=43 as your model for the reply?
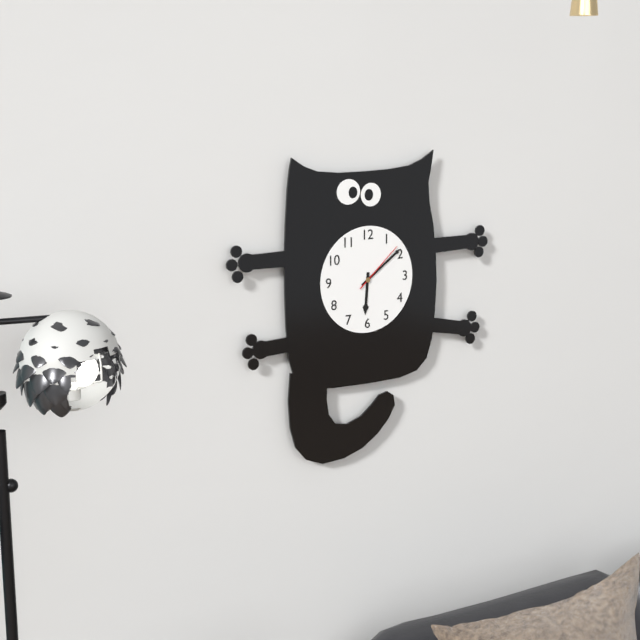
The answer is h=6 m=9 s=8
